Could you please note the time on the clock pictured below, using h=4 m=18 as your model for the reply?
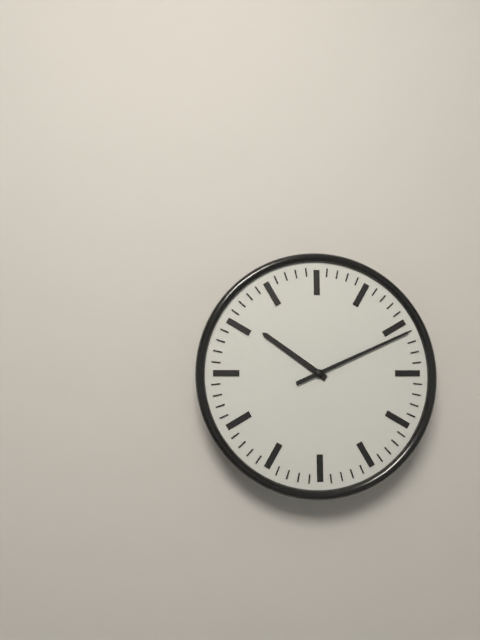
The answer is h=10 m=11
